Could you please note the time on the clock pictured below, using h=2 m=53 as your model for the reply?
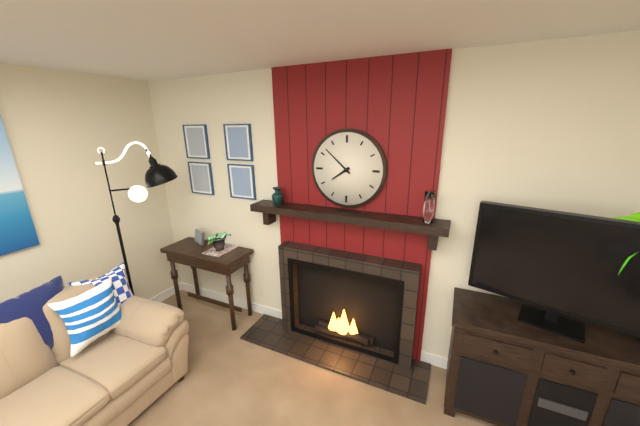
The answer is h=7 m=52
